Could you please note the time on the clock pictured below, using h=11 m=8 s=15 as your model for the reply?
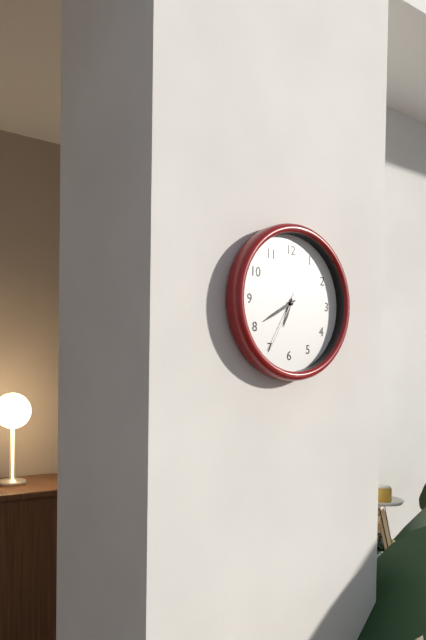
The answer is h=6 m=40 s=35
